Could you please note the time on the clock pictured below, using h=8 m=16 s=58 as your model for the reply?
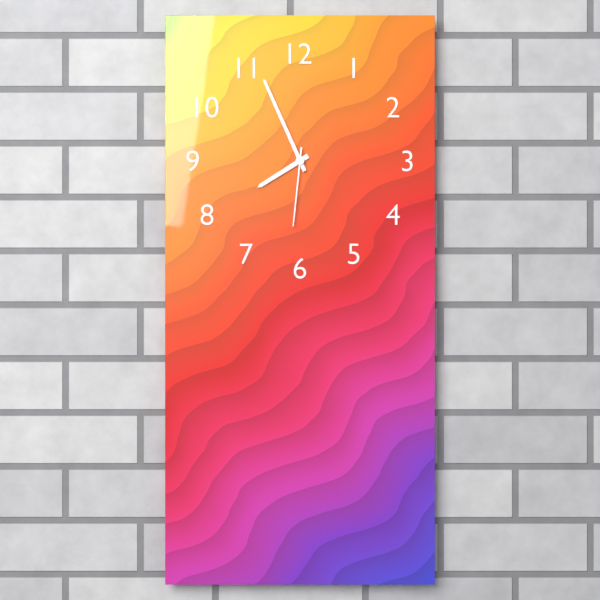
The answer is h=7 m=56 s=31
